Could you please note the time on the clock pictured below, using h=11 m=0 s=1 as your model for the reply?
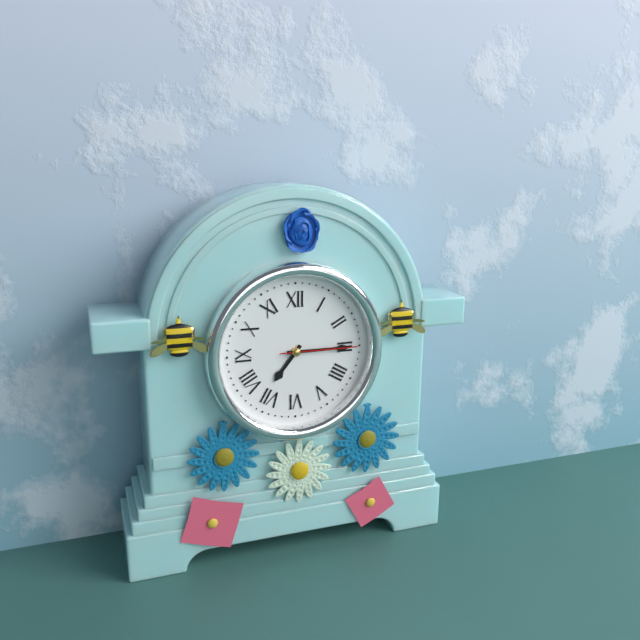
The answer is h=7 m=15 s=15
